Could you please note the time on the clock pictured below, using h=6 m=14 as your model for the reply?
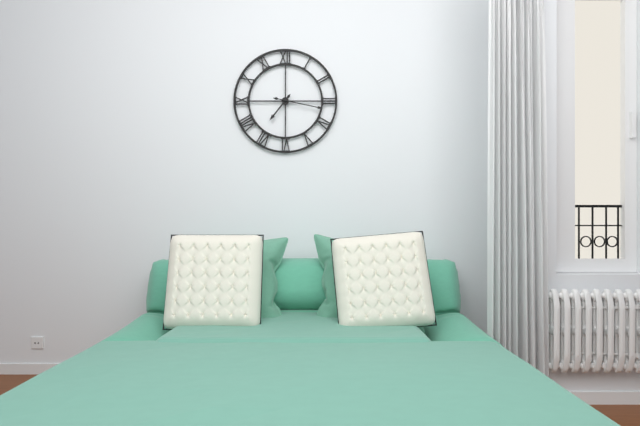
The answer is h=7 m=17
